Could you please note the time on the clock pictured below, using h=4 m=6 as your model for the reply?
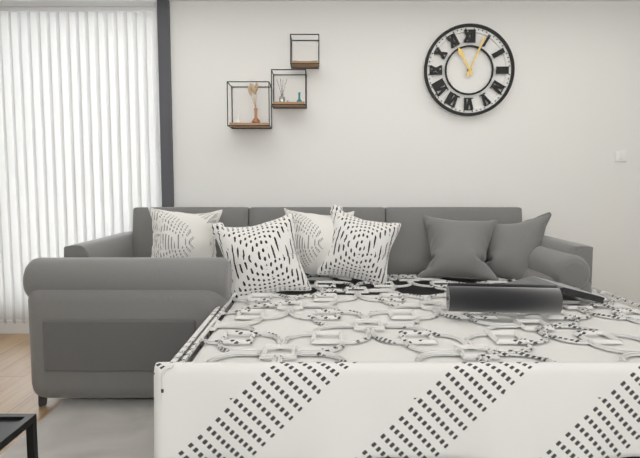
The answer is h=11 m=4
